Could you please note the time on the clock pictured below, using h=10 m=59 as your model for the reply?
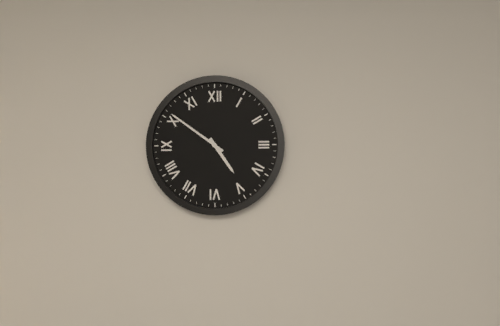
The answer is h=4 m=51
